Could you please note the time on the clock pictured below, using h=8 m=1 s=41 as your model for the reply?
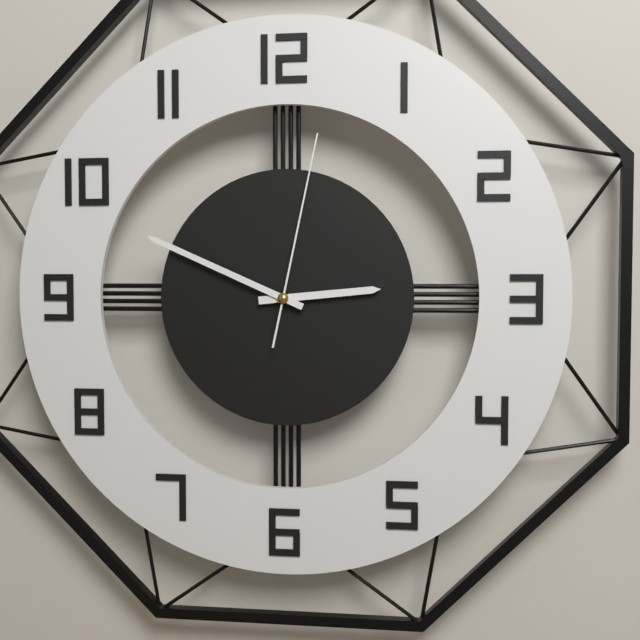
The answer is h=2 m=49 s=2
